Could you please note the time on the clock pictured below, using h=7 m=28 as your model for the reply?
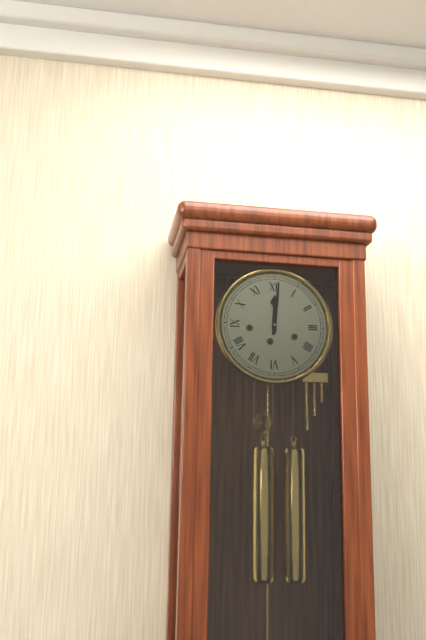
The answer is h=12 m=1
